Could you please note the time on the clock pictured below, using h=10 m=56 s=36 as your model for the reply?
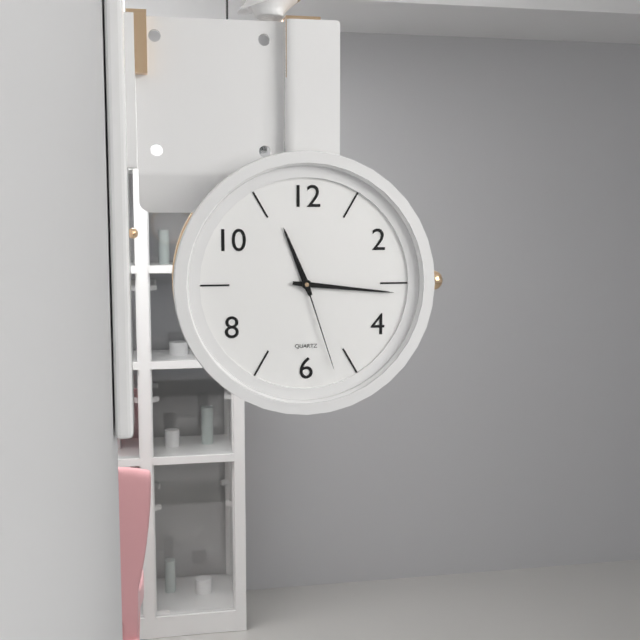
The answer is h=11 m=16 s=27
